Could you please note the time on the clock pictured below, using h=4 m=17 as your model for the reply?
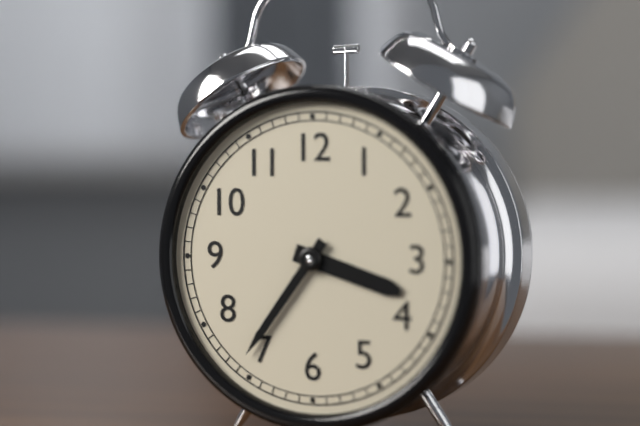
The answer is h=3 m=36
